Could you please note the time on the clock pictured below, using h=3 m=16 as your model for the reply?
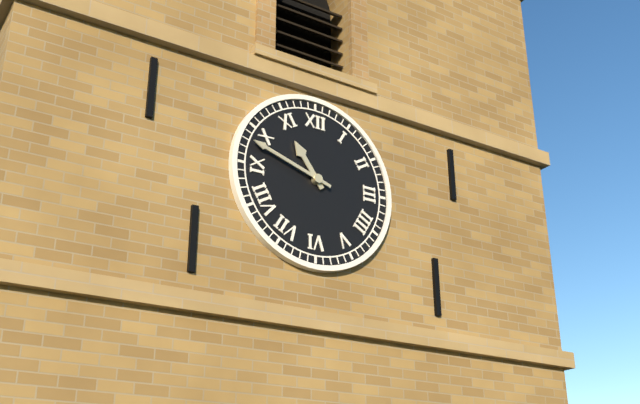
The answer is h=10 m=48
